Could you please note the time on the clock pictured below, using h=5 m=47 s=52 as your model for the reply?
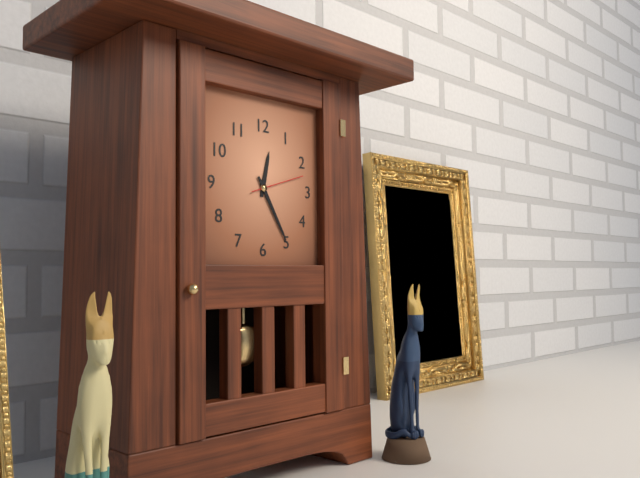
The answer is h=12 m=25 s=12
